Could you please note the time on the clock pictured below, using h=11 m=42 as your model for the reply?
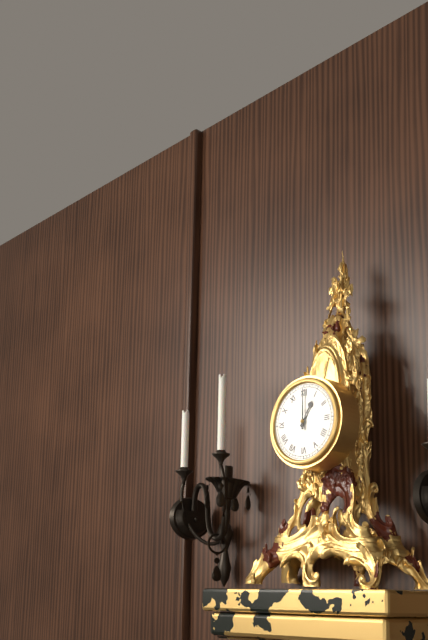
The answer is h=1 m=0
